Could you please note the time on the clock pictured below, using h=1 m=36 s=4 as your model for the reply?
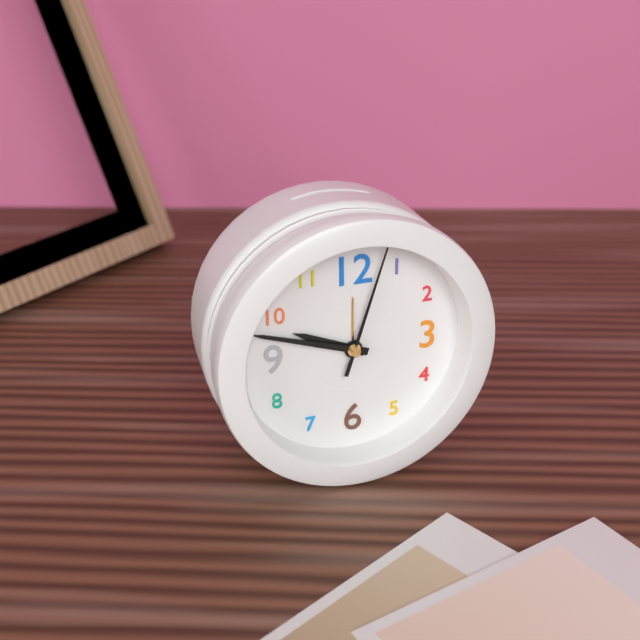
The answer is h=9 m=48 s=3
